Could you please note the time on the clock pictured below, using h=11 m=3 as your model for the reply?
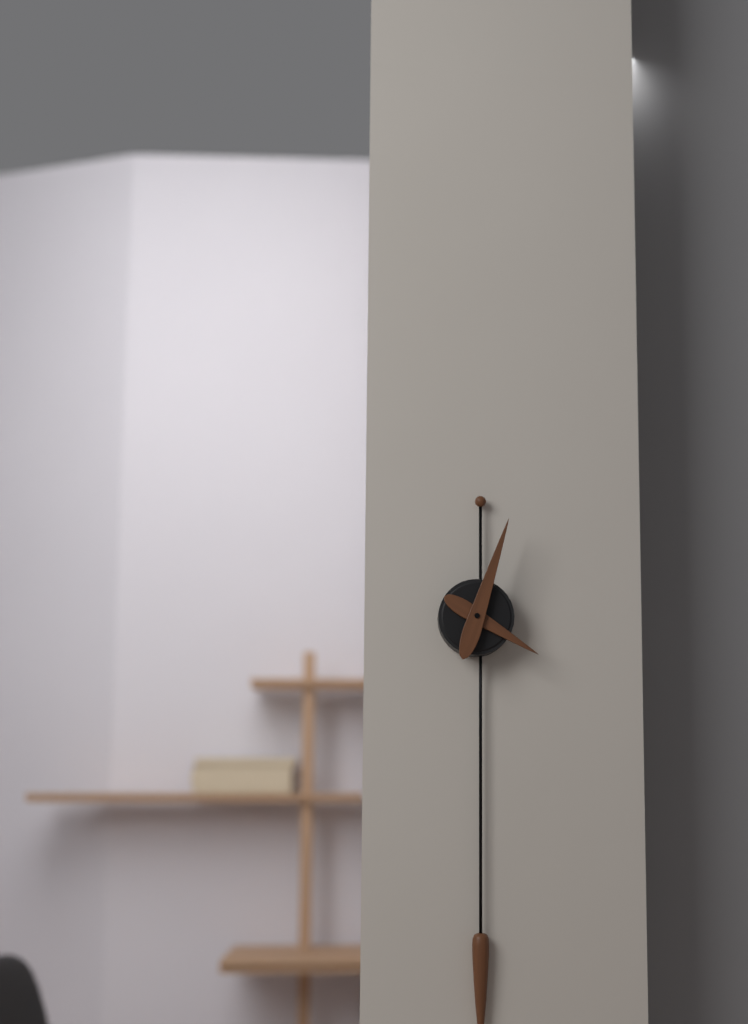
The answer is h=4 m=3
